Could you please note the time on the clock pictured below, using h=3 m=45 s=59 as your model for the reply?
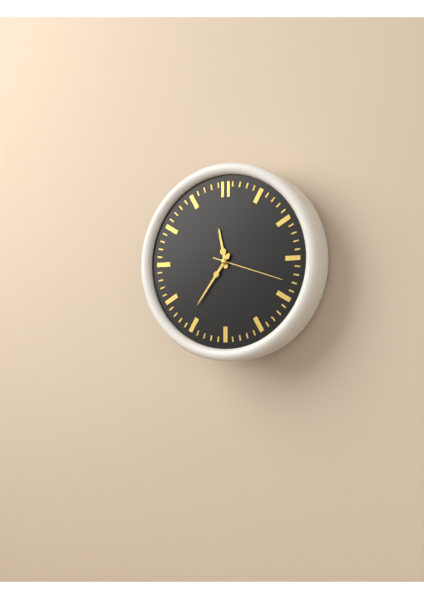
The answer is h=11 m=36 s=18
